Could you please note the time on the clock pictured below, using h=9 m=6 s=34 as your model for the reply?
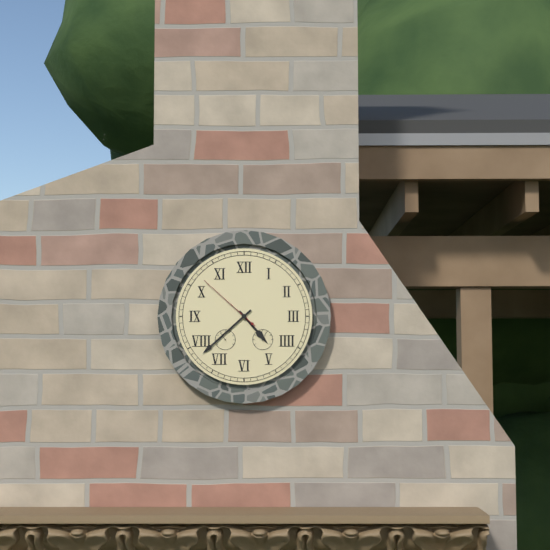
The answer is h=4 m=38 s=52
